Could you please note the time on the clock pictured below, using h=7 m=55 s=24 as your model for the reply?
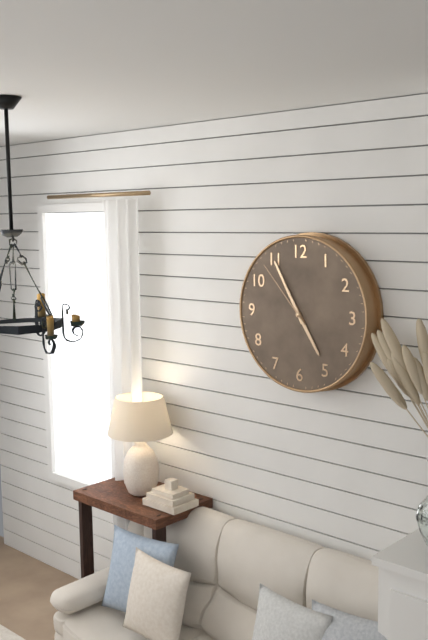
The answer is h=4 m=55 s=53
